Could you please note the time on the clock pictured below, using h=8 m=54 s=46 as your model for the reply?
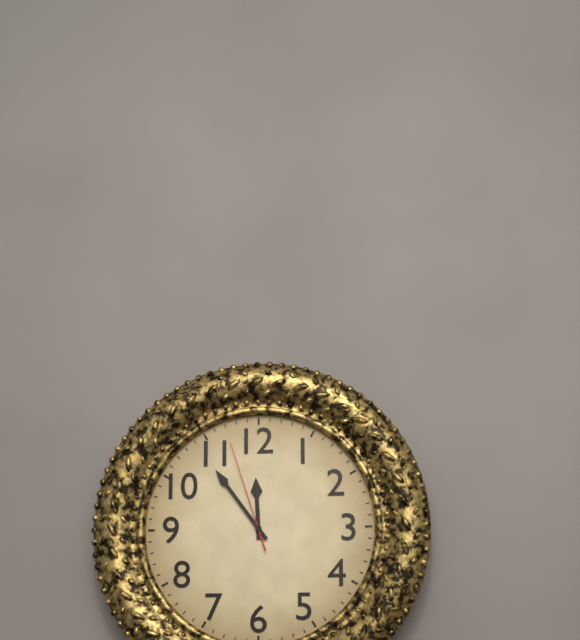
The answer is h=11 m=54 s=57
